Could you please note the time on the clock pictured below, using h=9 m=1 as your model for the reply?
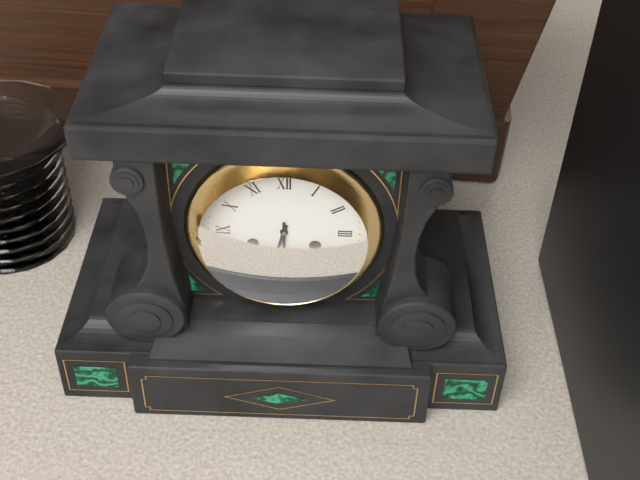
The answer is h=6 m=30
